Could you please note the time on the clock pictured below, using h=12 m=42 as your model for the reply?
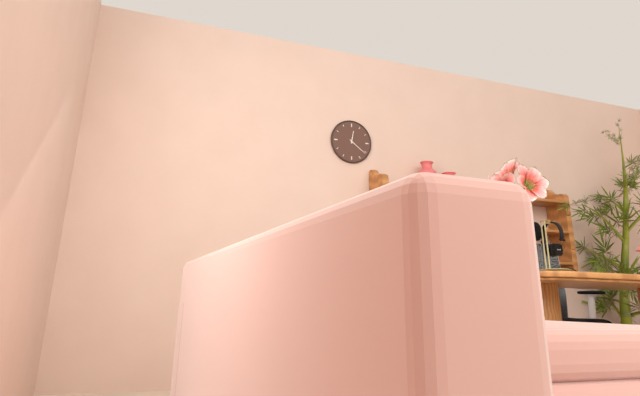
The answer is h=12 m=21
